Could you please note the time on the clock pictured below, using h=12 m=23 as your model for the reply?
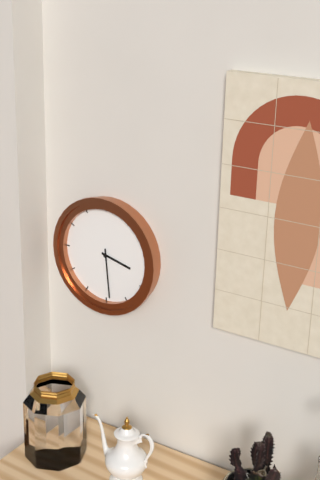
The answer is h=3 m=29
